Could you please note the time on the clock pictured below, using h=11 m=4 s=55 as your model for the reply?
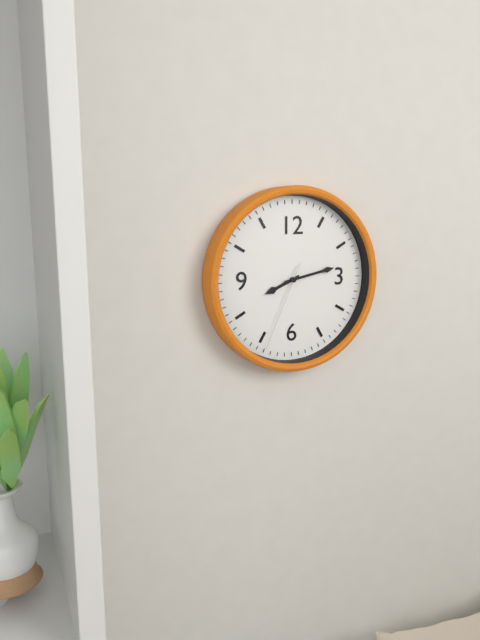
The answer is h=8 m=13 s=34
